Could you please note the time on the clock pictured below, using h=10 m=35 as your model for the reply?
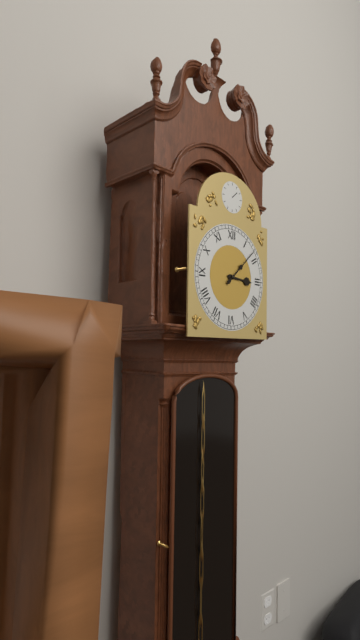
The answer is h=3 m=8
